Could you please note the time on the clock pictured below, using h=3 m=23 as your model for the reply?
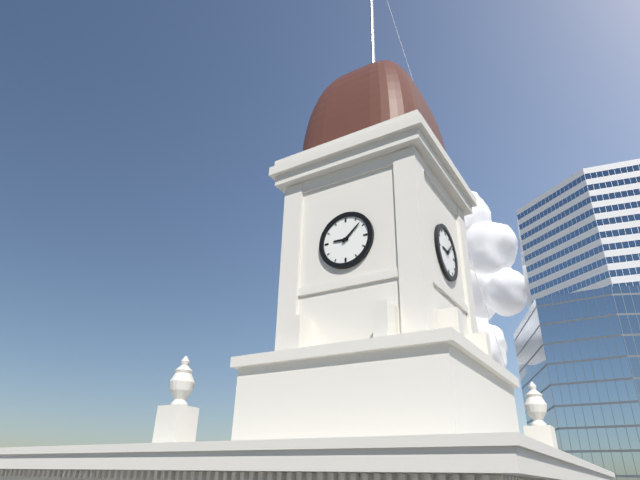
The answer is h=9 m=8
